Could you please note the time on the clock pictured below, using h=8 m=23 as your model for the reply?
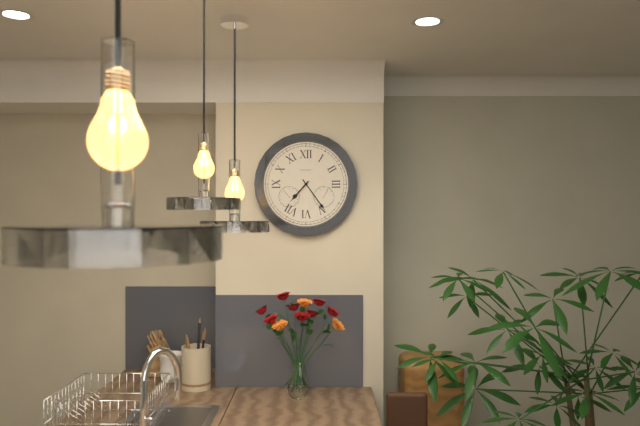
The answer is h=7 m=24
